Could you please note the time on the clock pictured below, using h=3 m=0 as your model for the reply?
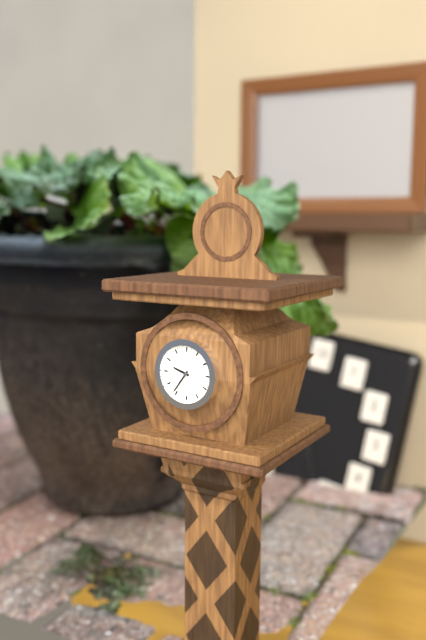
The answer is h=9 m=36
